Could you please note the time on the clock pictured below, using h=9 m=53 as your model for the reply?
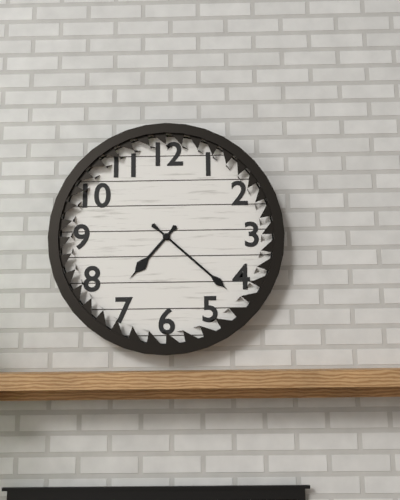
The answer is h=7 m=22
